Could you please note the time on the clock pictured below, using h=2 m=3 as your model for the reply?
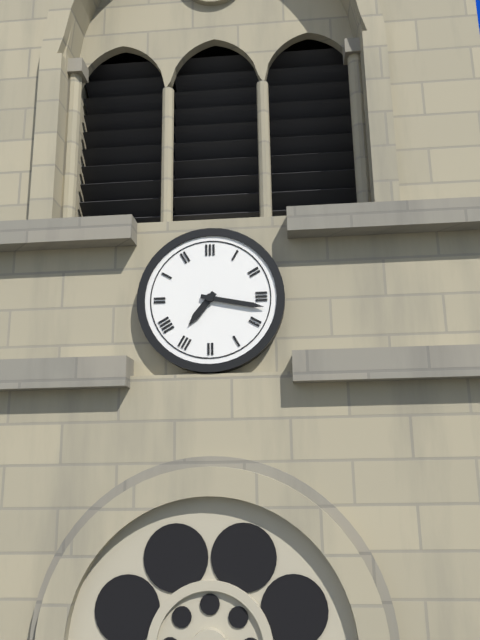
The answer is h=7 m=17
